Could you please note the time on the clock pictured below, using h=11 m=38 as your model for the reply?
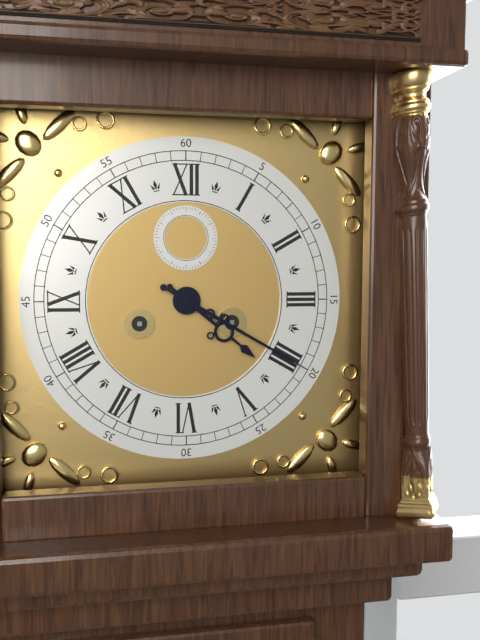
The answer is h=4 m=20
